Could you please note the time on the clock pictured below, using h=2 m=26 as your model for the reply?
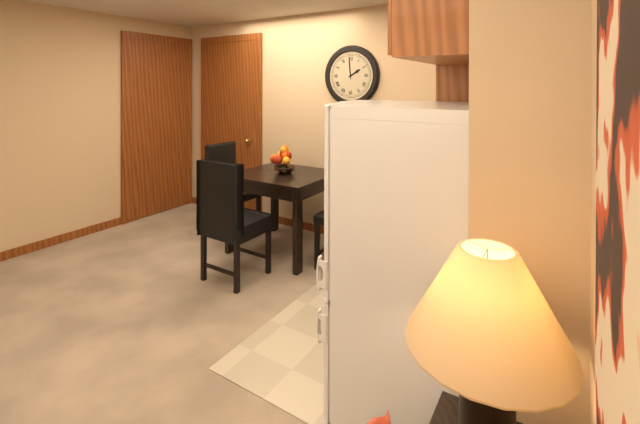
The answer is h=1 m=59
